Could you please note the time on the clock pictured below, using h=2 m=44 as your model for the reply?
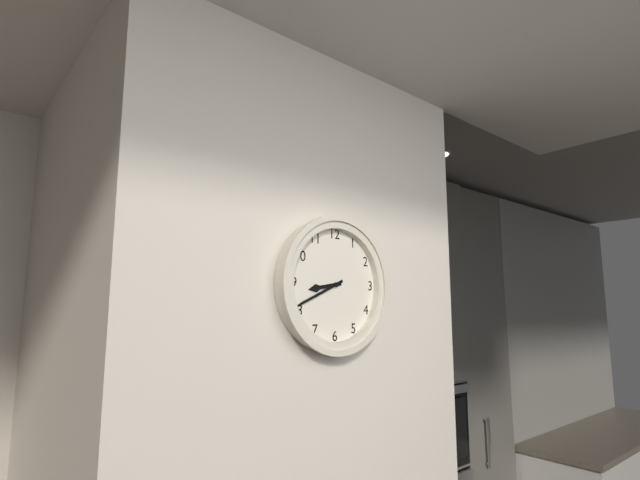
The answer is h=8 m=41
